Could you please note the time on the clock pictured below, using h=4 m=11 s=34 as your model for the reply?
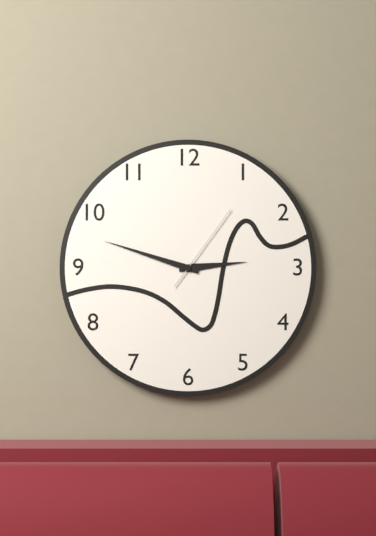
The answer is h=2 m=48 s=6
